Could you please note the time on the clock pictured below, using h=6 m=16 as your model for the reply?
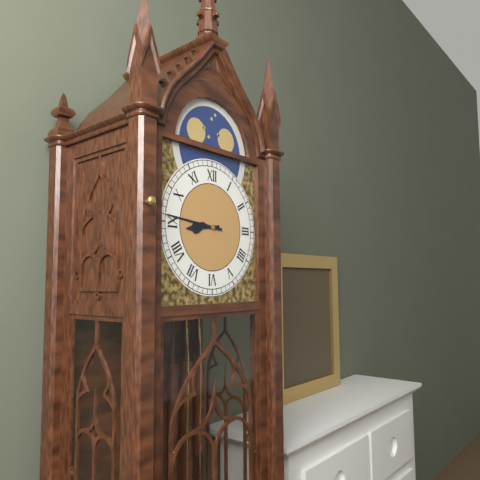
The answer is h=8 m=46
